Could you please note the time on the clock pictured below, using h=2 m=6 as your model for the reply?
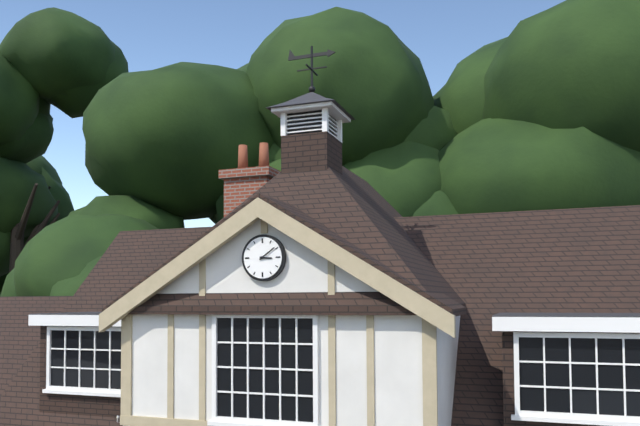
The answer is h=3 m=9
